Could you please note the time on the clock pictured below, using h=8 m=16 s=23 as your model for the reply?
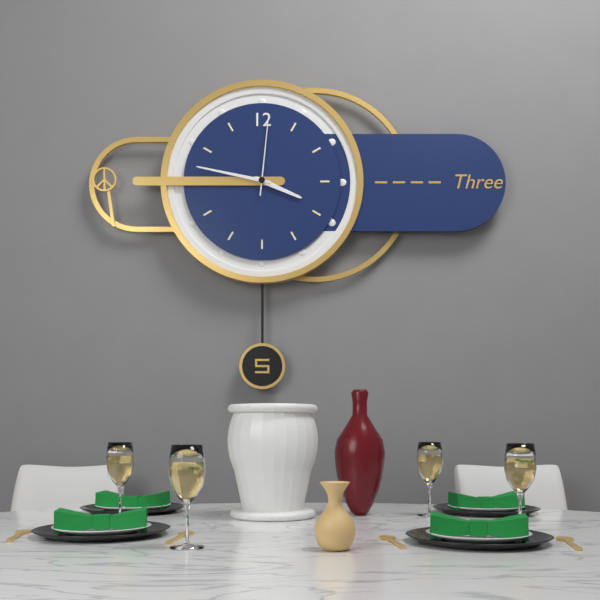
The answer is h=3 m=47 s=1
